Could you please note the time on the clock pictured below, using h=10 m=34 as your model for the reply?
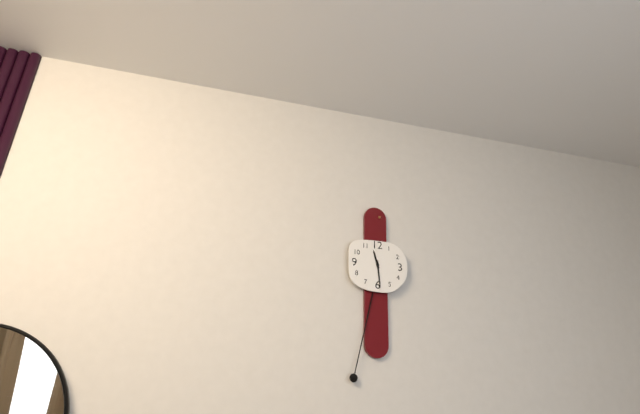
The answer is h=11 m=29
